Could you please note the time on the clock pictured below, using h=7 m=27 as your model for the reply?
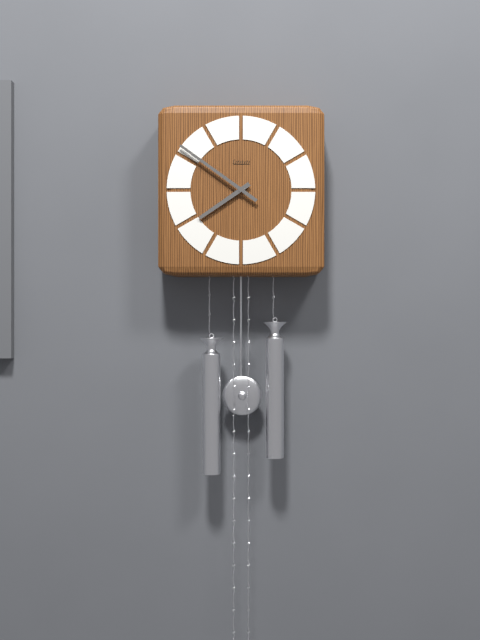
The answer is h=7 m=51
